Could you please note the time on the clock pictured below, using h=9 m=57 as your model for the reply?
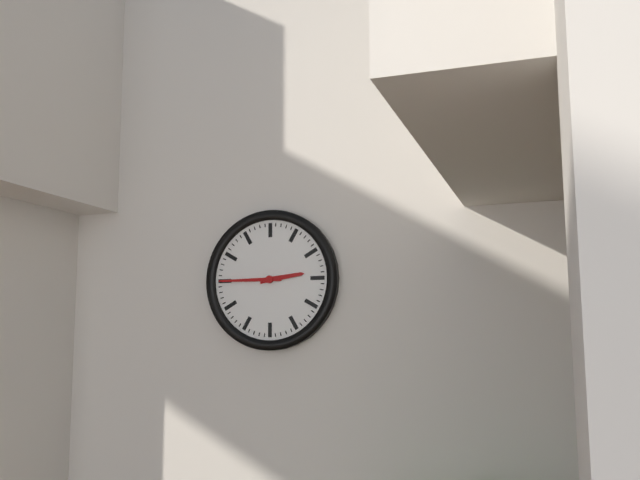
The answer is h=2 m=45
